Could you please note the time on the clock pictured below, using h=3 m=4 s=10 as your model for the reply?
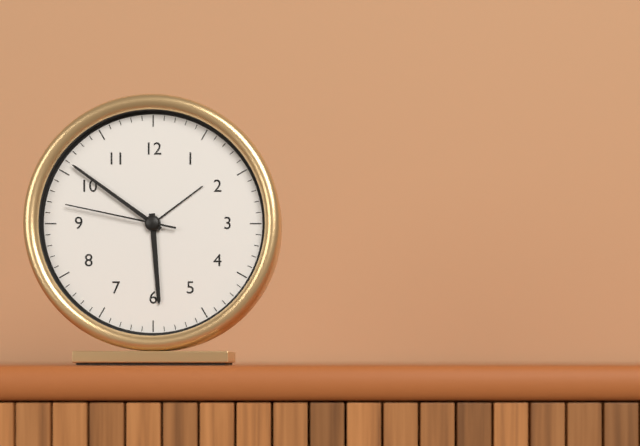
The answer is h=5 m=51 s=47
